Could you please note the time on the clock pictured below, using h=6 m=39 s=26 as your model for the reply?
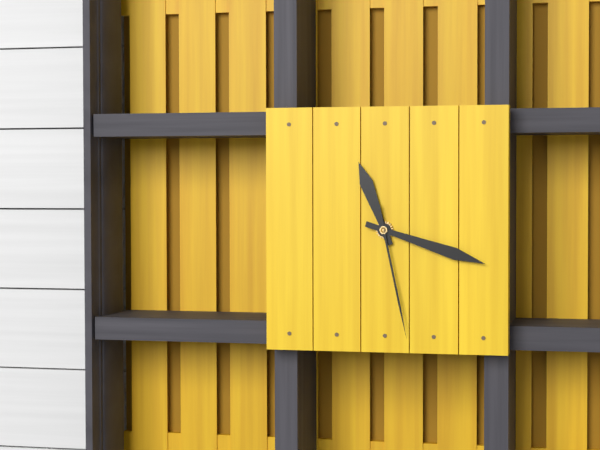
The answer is h=11 m=18 s=28
